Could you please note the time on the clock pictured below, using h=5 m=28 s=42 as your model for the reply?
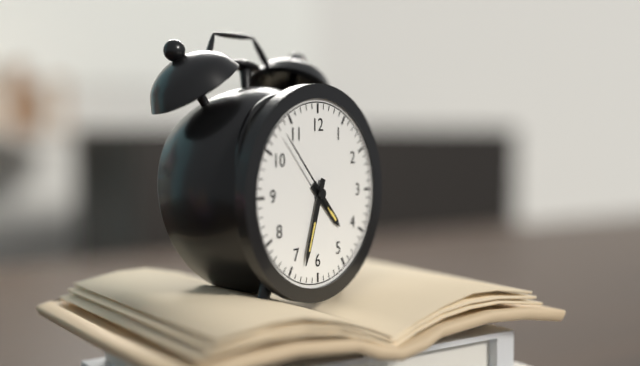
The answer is h=4 m=33 s=53
